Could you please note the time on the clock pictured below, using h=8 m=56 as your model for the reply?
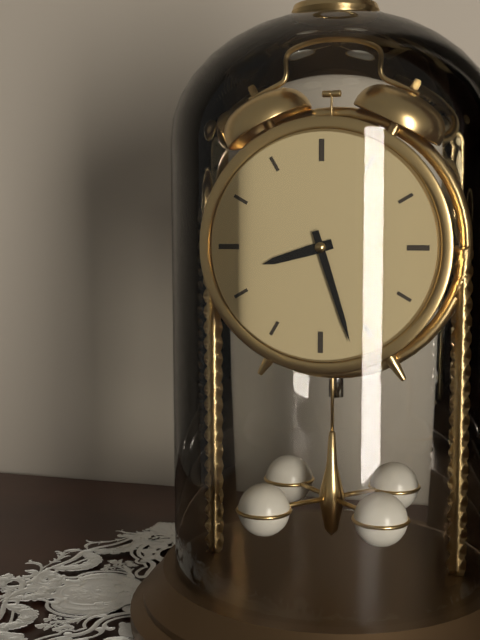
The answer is h=8 m=27
